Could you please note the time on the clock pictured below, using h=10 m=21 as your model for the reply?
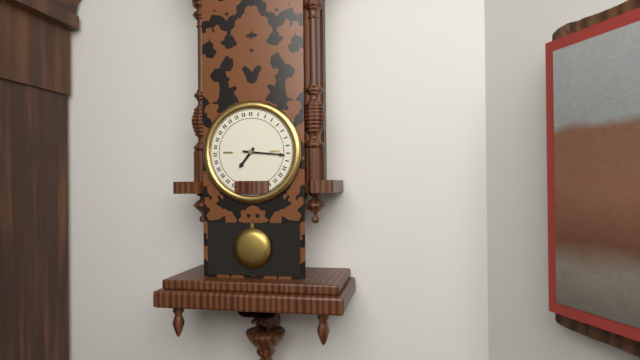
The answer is h=7 m=16
